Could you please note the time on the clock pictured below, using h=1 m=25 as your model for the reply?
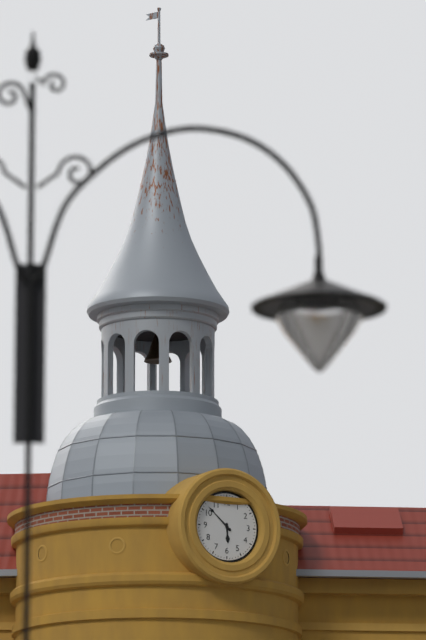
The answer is h=5 m=52
